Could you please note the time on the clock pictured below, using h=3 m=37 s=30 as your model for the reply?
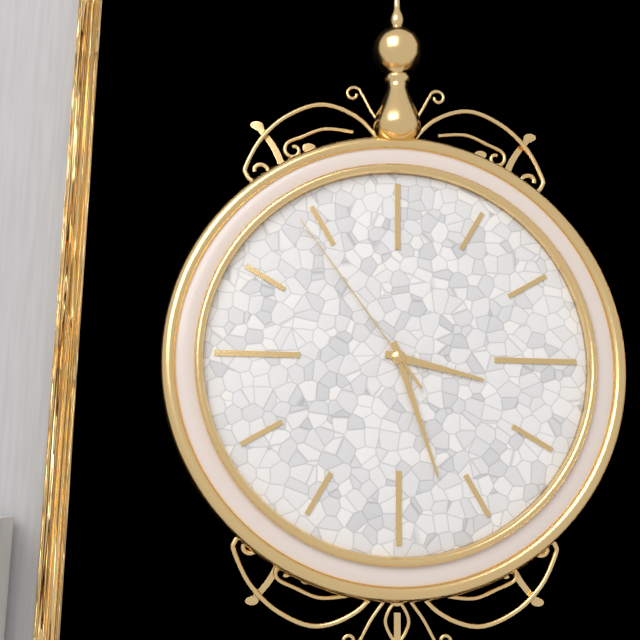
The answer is h=3 m=27 s=54
